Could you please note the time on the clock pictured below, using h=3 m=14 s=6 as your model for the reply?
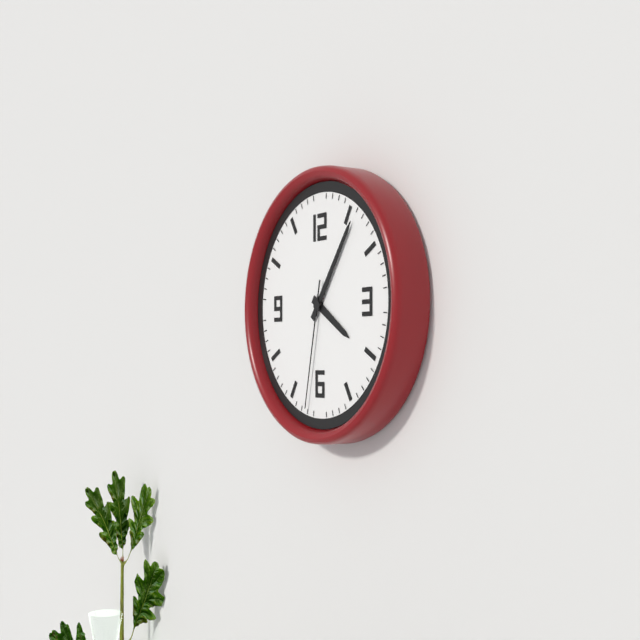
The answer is h=4 m=6 s=32
